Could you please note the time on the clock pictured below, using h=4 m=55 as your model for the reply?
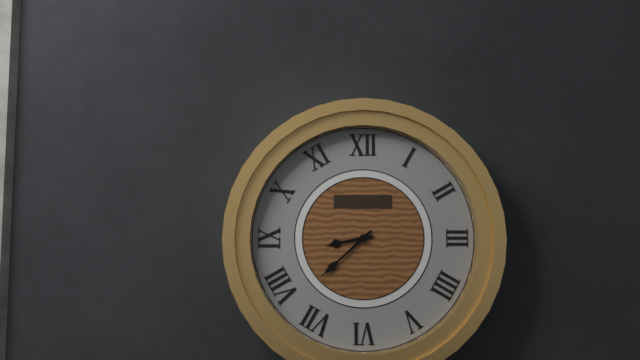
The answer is h=8 m=38
